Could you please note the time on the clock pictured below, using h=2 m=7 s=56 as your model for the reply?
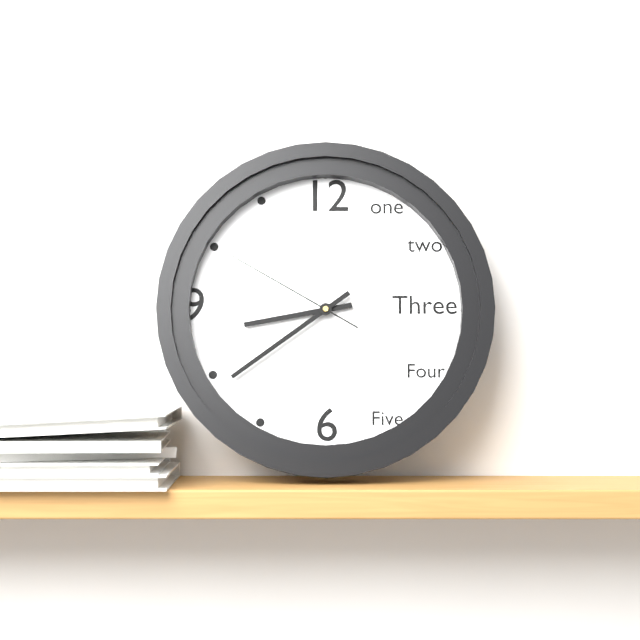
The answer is h=8 m=39 s=50
